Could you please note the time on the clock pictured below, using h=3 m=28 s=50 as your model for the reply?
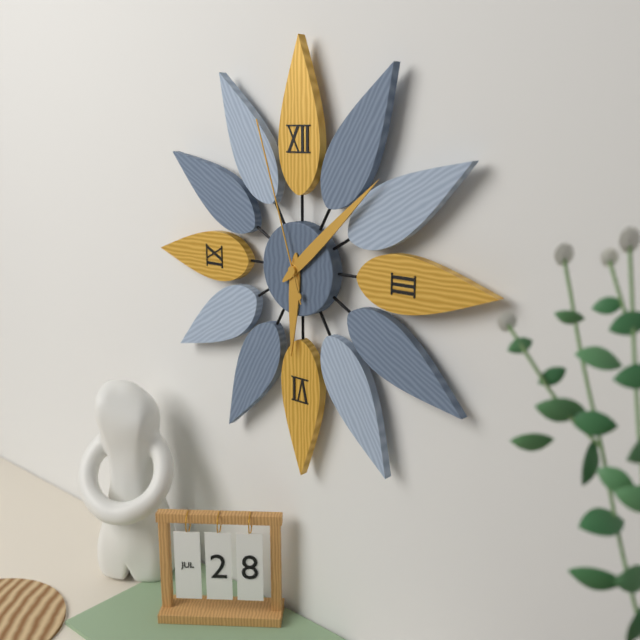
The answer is h=6 m=8 s=57
